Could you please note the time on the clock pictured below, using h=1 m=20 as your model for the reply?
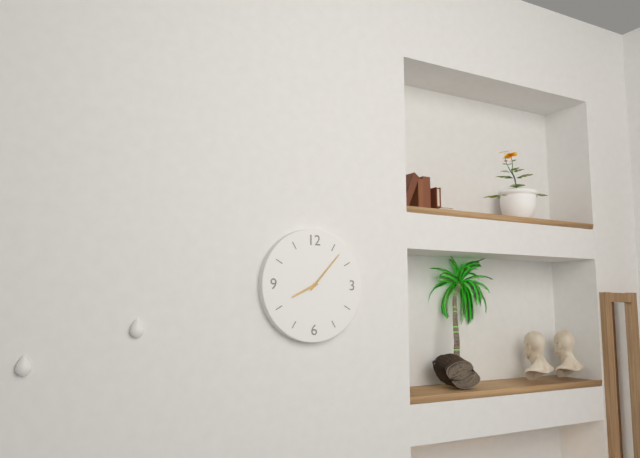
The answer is h=8 m=7
